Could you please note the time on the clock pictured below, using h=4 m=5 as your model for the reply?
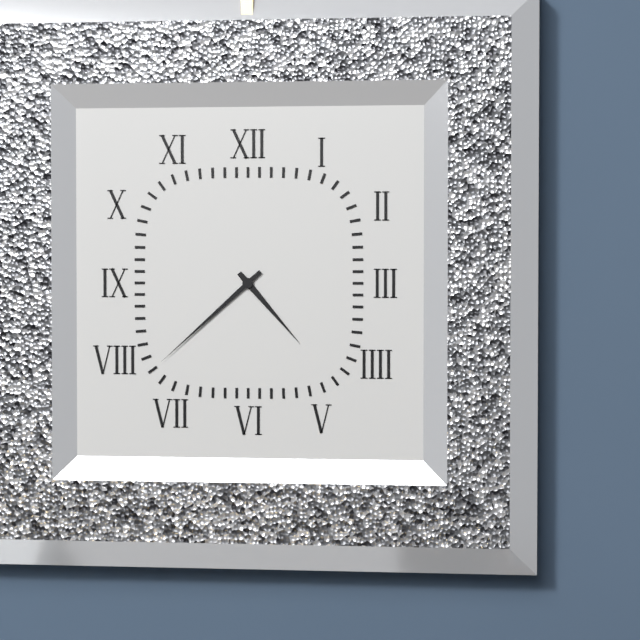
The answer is h=4 m=38
